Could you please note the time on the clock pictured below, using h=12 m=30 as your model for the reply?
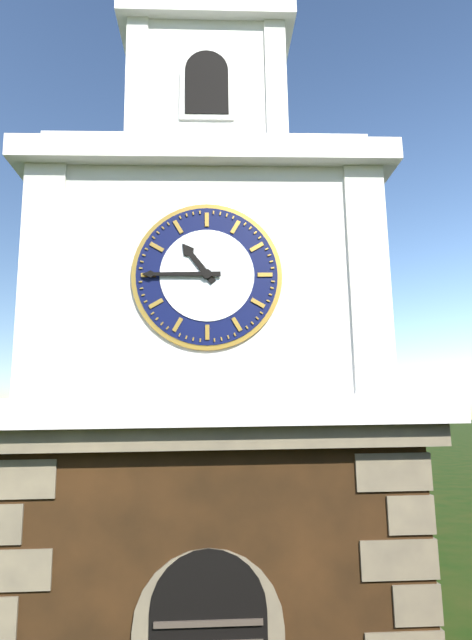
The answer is h=10 m=45
